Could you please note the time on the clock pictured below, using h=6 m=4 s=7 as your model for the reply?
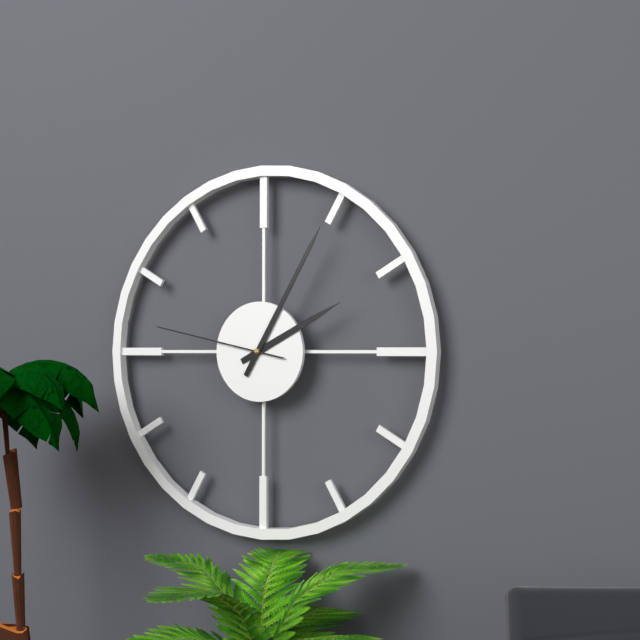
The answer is h=2 m=5 s=47
